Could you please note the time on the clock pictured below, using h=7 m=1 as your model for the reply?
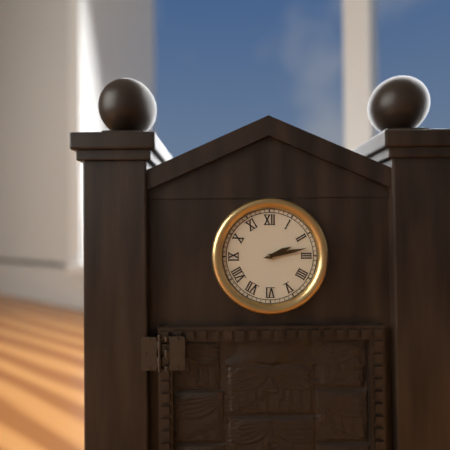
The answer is h=2 m=13
